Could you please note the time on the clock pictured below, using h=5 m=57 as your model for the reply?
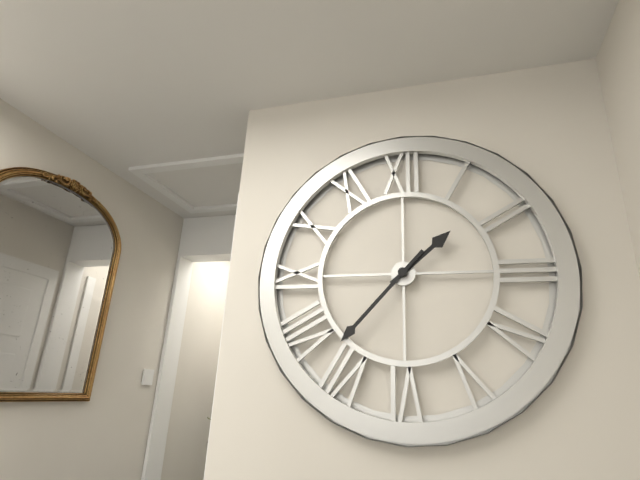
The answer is h=1 m=37
